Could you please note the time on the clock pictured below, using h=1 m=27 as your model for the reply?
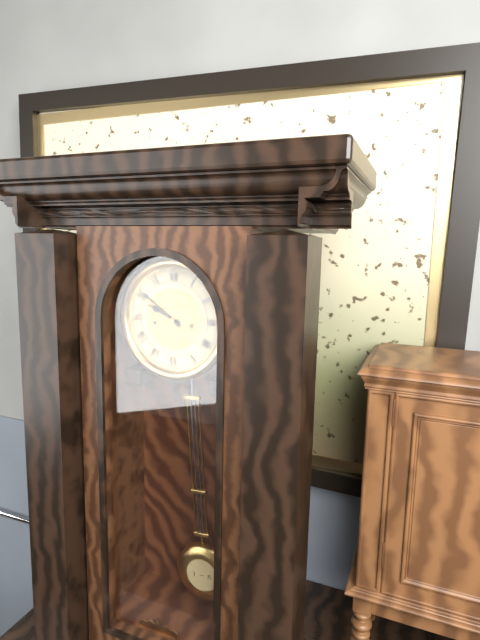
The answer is h=9 m=51
